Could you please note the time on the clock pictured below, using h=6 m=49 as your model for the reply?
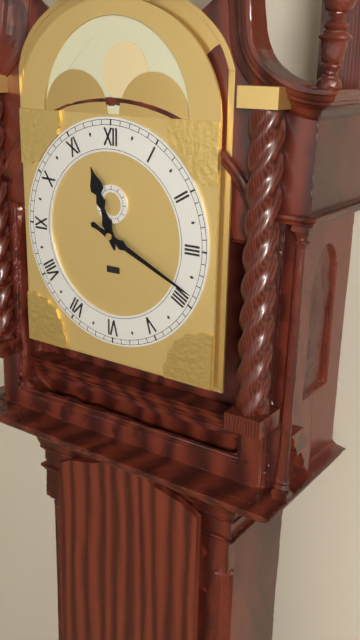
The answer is h=11 m=19
